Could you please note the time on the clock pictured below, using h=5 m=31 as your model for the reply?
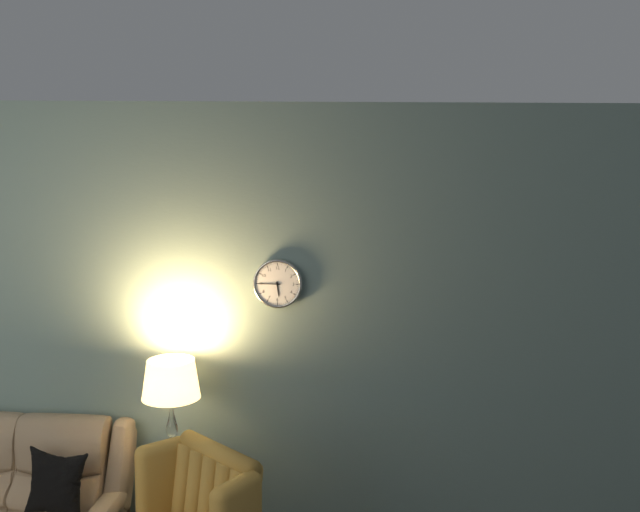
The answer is h=5 m=45
